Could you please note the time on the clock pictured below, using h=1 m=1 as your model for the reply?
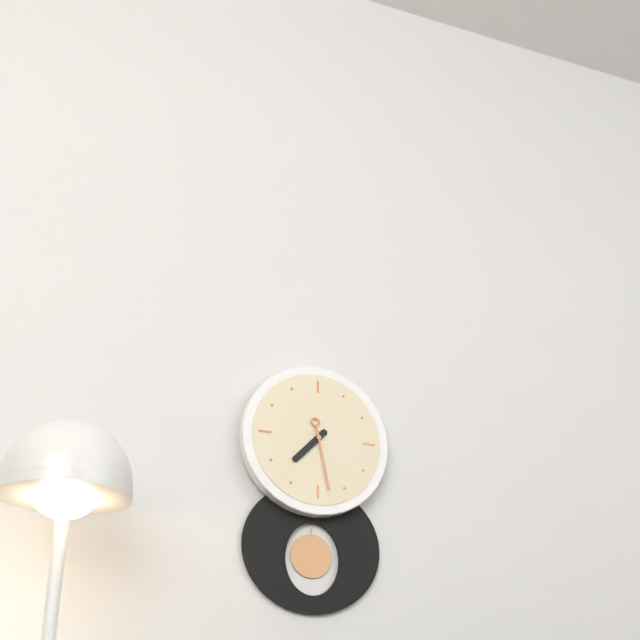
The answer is h=7 m=28
